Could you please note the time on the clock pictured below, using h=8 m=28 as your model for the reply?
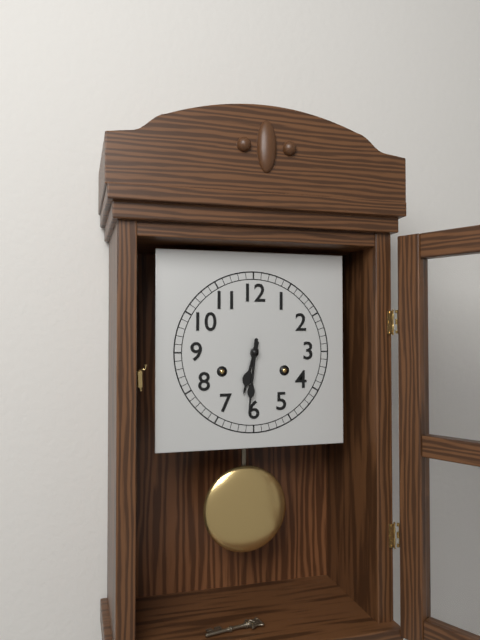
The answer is h=6 m=31
